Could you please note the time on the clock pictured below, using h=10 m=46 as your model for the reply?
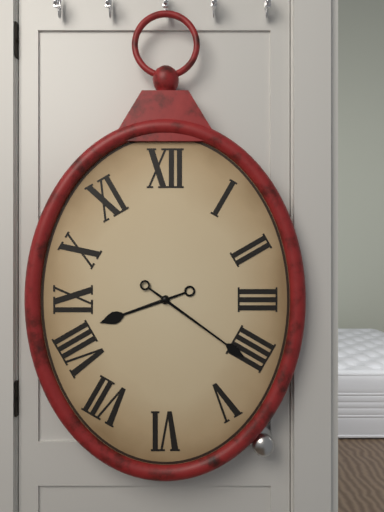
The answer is h=8 m=21
